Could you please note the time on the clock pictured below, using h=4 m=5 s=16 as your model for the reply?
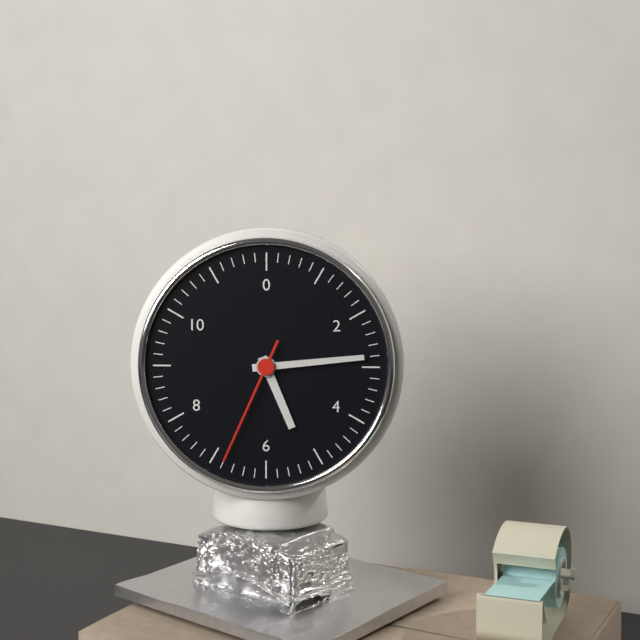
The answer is h=5 m=14 s=34
